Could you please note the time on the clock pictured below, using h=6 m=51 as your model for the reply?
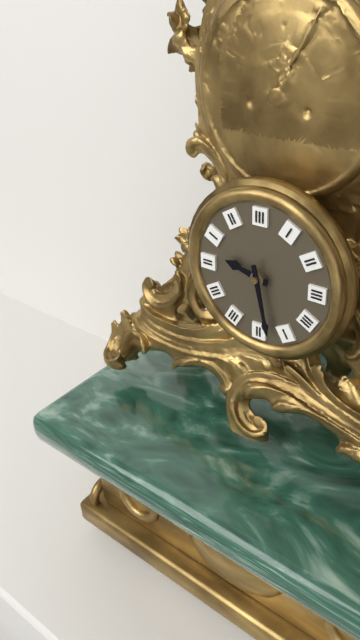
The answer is h=9 m=28
